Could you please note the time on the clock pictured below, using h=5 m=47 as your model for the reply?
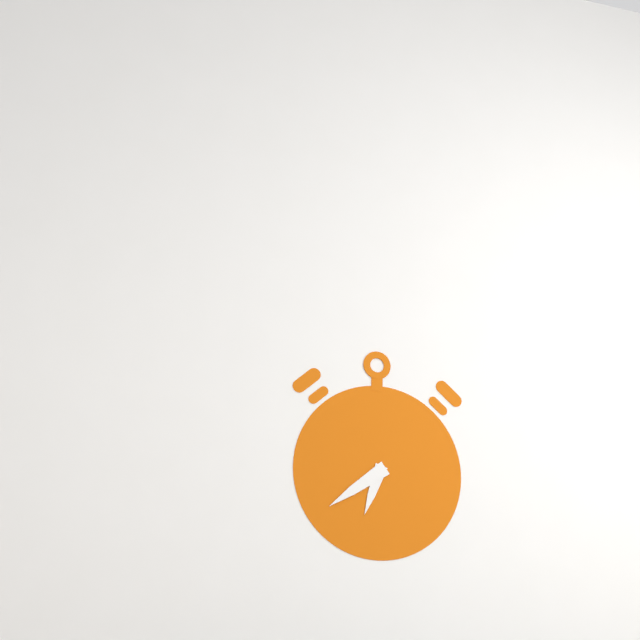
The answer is h=6 m=39
